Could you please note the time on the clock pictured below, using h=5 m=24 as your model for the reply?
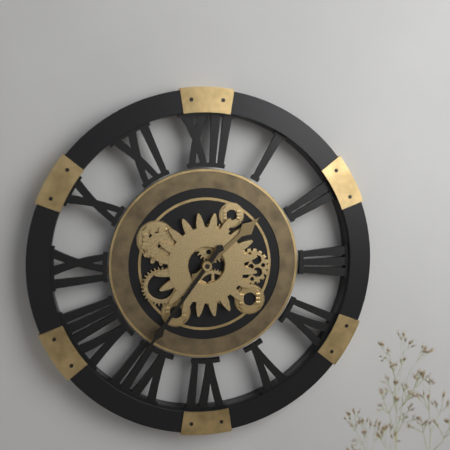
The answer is h=1 m=36
